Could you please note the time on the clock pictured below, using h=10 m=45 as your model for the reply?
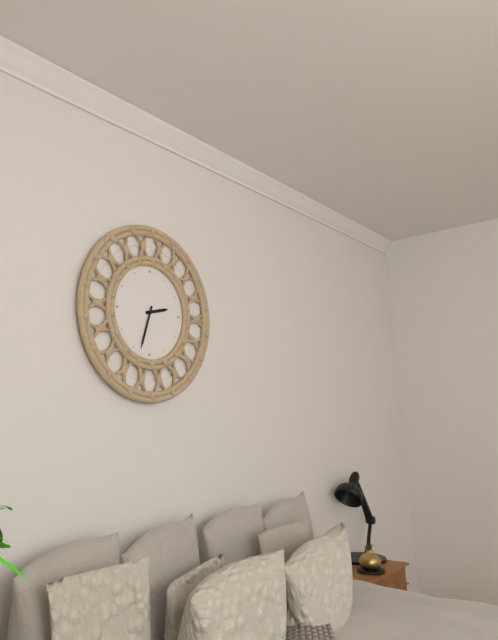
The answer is h=2 m=33
